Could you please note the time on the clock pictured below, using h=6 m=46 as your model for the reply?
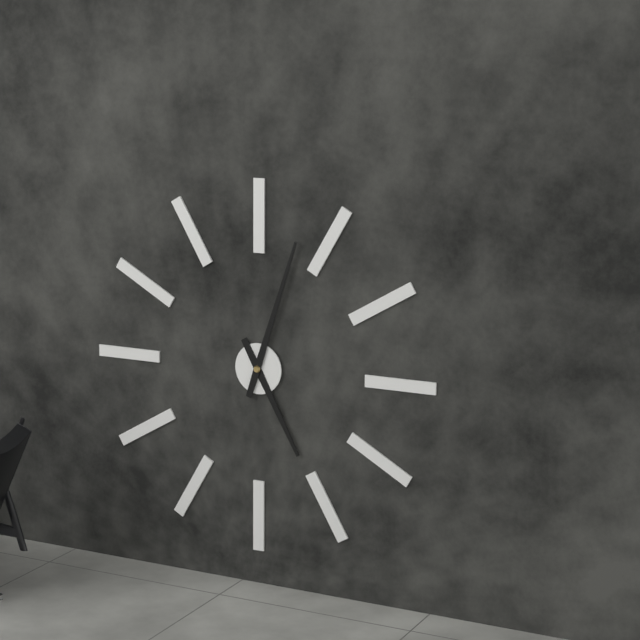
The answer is h=5 m=3
